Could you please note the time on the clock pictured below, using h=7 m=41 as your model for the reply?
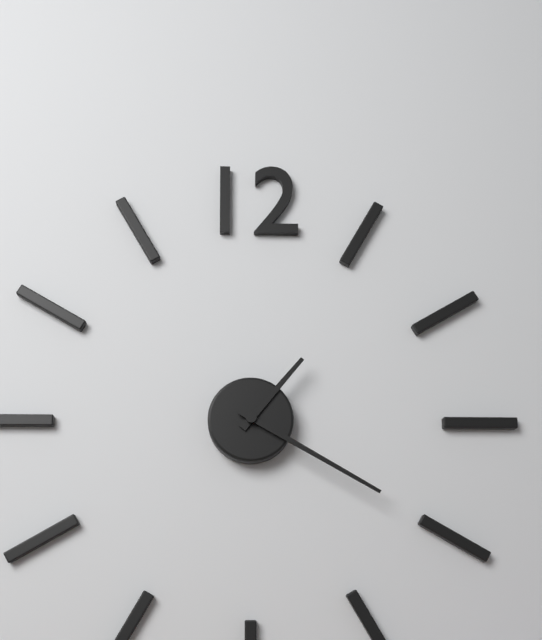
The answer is h=1 m=20
